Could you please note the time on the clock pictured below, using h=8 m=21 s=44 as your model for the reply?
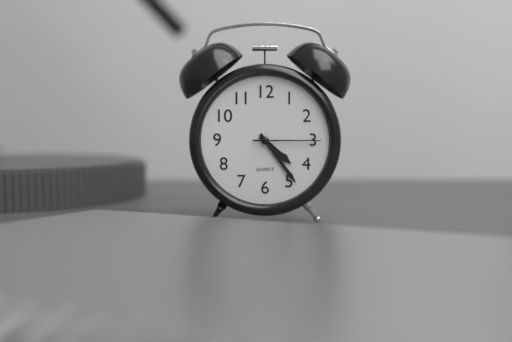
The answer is h=4 m=24 s=15
